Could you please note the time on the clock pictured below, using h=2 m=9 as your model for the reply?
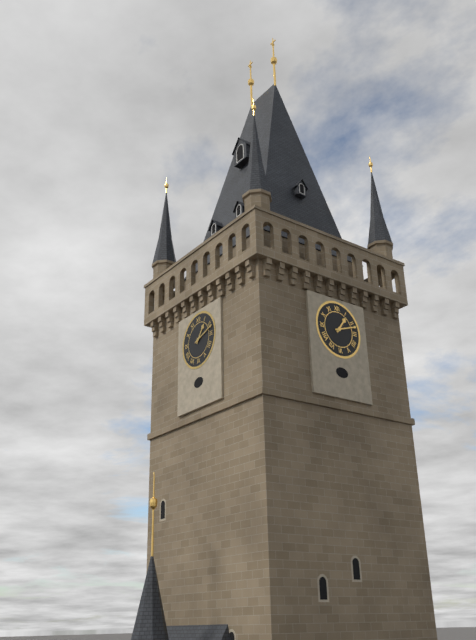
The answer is h=1 m=12
